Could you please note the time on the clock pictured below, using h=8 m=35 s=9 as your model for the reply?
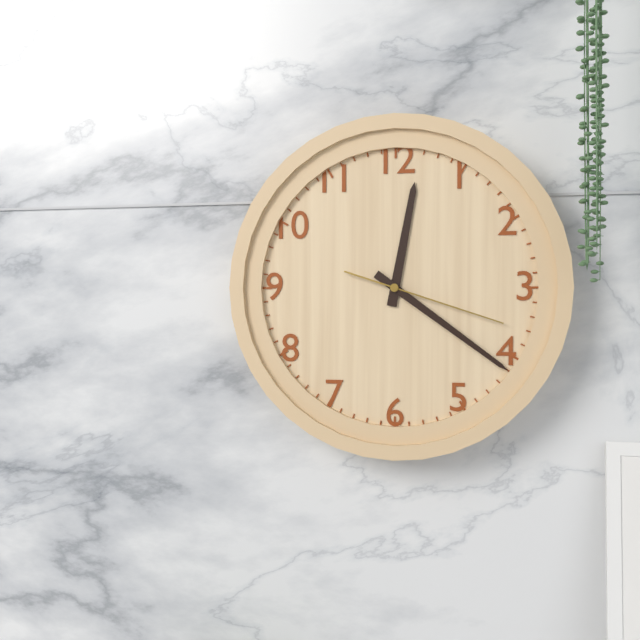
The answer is h=12 m=21 s=18
